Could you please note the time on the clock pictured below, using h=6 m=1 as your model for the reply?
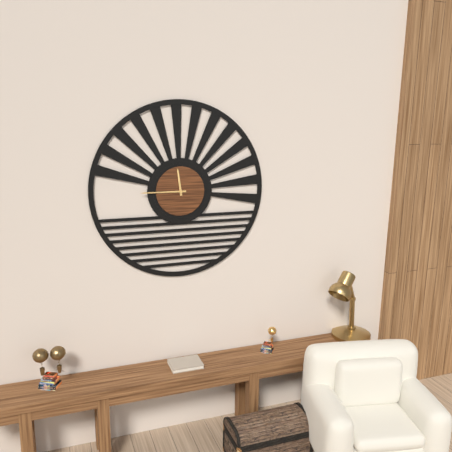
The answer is h=11 m=45
